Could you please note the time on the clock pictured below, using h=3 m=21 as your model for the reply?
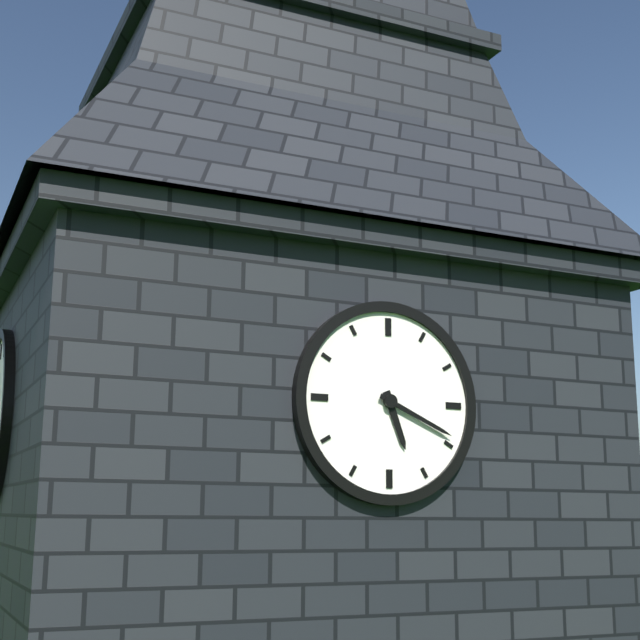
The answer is h=5 m=19
